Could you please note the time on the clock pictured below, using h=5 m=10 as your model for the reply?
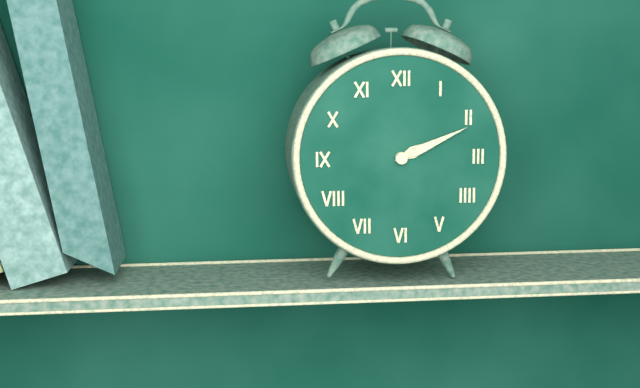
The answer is h=2 m=11
